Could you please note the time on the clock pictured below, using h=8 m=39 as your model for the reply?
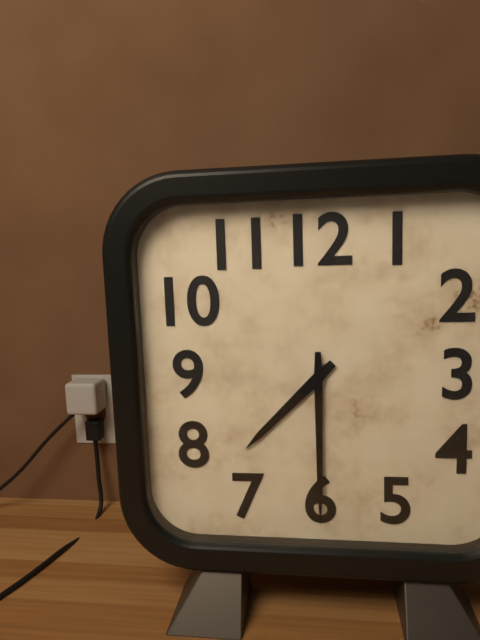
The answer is h=7 m=30
